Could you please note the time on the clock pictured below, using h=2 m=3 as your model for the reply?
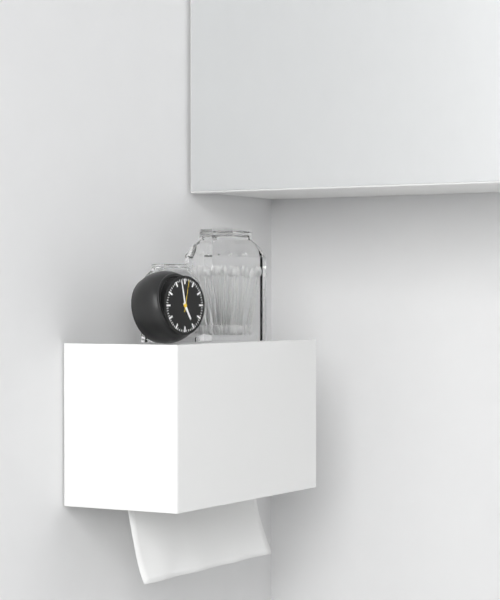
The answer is h=4 m=58
